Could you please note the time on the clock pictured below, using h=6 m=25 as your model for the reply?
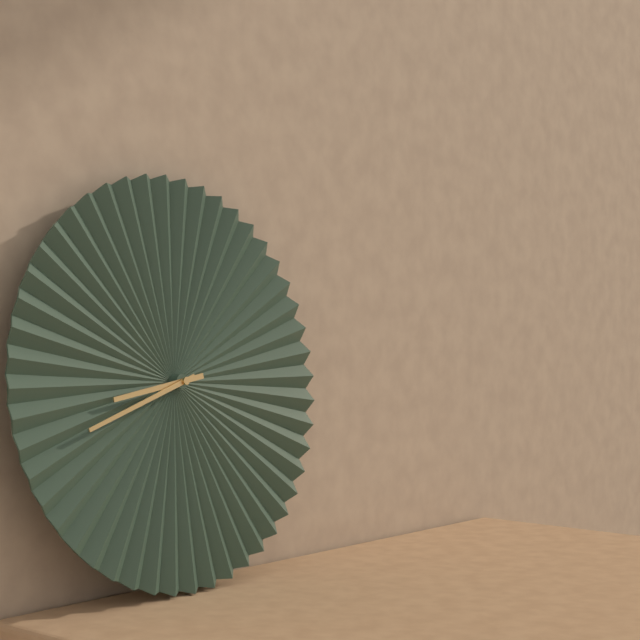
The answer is h=8 m=42
